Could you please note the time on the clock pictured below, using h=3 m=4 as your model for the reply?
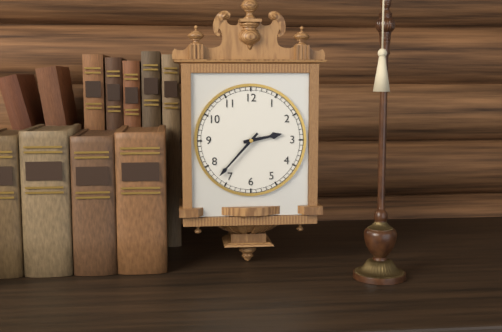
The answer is h=2 m=37
